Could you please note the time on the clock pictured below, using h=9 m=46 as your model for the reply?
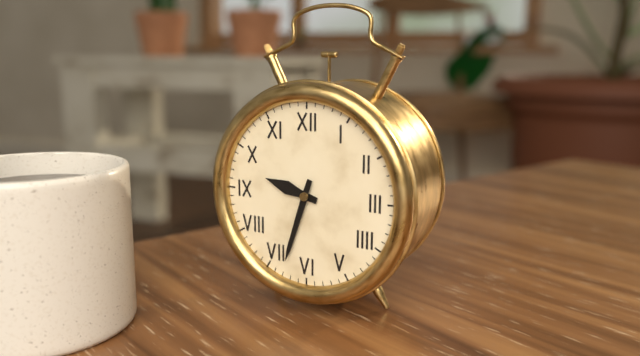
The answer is h=9 m=33
